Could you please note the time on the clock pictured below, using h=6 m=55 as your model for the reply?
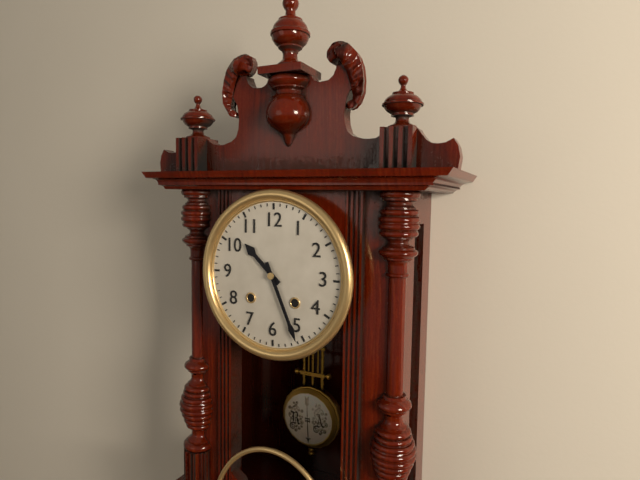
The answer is h=10 m=26
